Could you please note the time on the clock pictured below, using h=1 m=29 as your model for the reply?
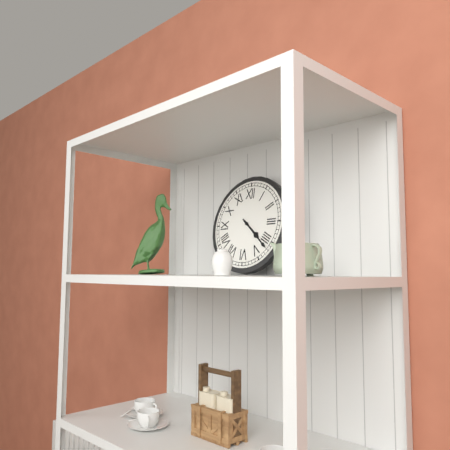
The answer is h=4 m=22
